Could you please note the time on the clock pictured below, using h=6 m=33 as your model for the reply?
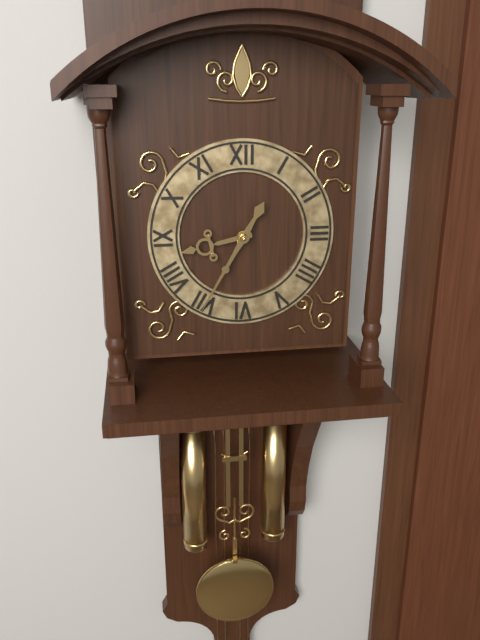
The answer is h=8 m=35
